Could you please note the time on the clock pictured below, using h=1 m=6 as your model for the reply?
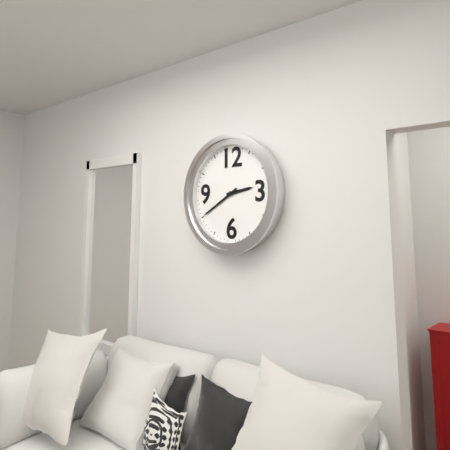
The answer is h=2 m=40
